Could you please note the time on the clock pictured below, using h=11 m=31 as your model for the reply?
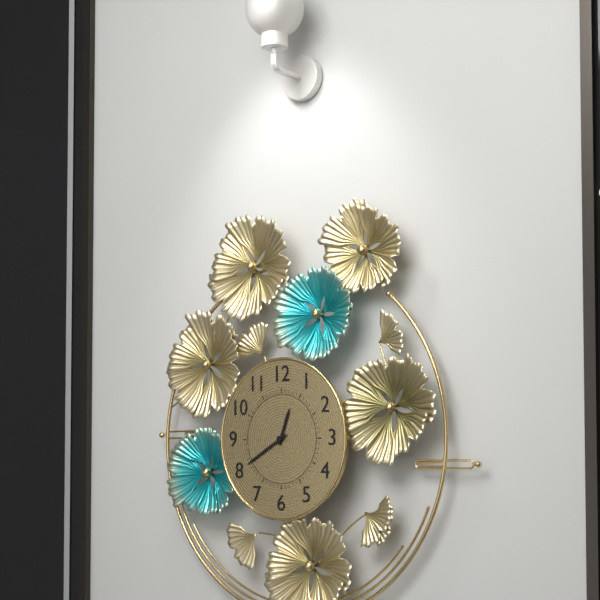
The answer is h=12 m=40
